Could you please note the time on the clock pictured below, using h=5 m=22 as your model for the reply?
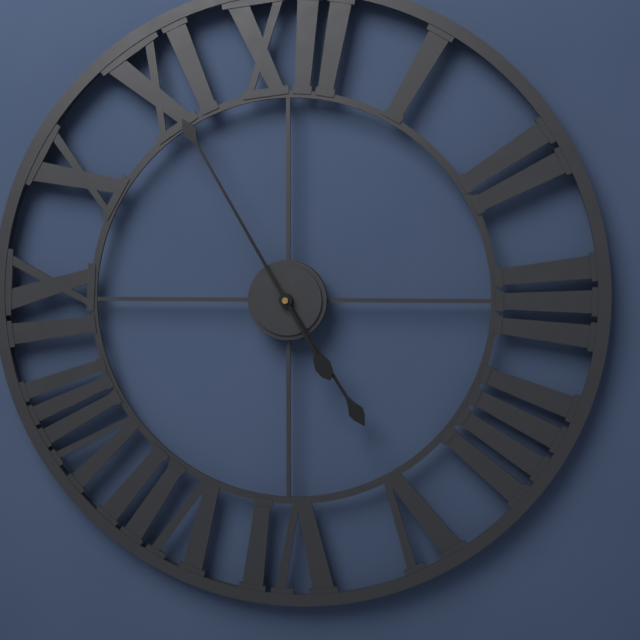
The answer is h=4 m=55
